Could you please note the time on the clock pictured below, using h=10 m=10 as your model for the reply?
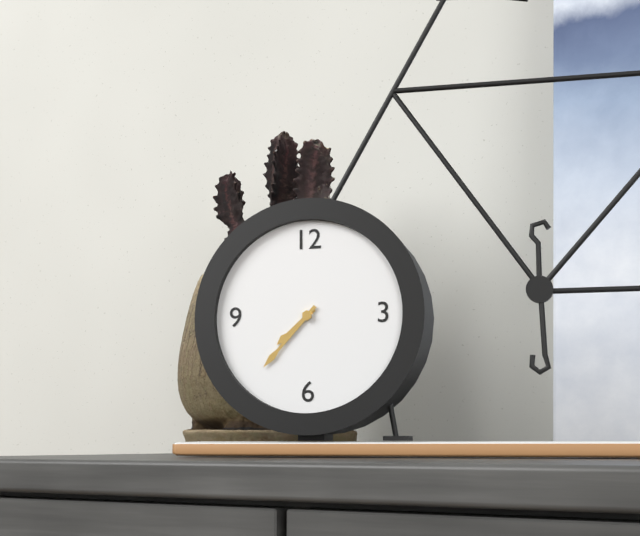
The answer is h=7 m=37
